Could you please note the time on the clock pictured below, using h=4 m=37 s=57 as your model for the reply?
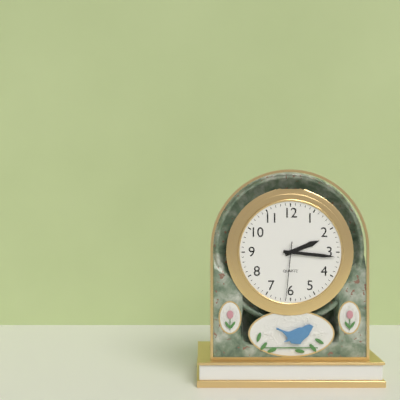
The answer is h=2 m=16 s=31
